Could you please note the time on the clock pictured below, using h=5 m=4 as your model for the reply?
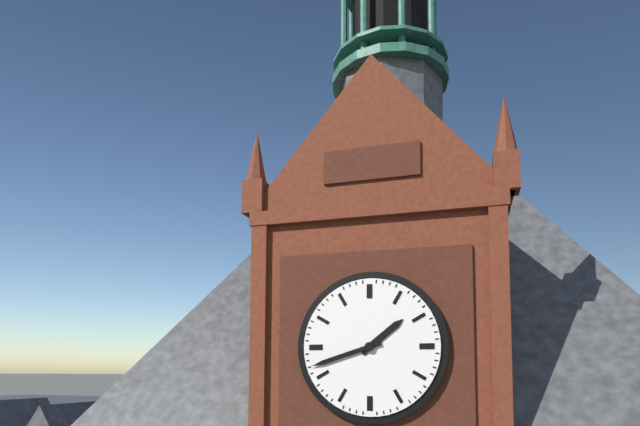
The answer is h=1 m=42
